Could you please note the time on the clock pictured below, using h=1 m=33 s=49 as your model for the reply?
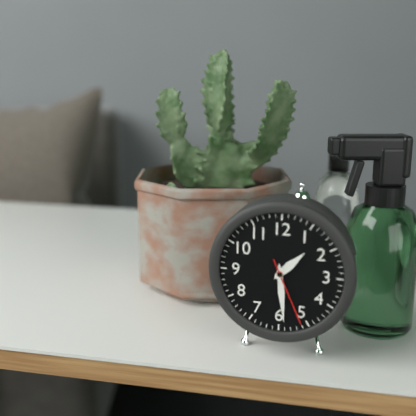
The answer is h=1 m=29 s=26
